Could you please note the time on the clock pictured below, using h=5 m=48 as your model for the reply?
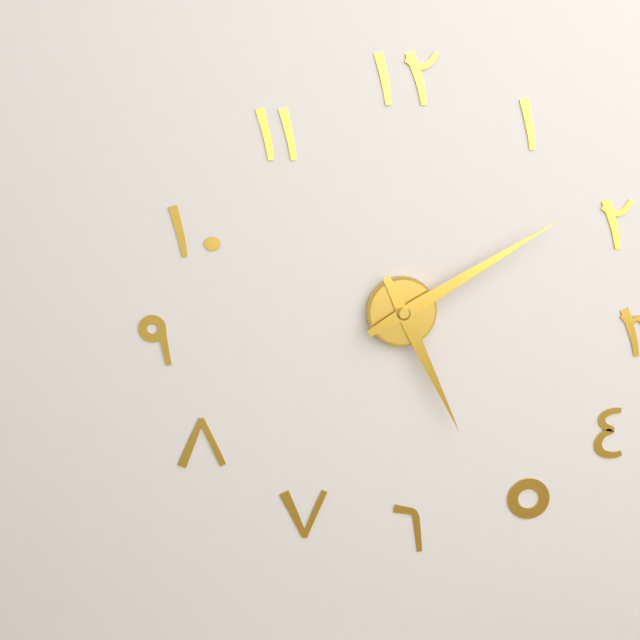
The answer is h=5 m=10
